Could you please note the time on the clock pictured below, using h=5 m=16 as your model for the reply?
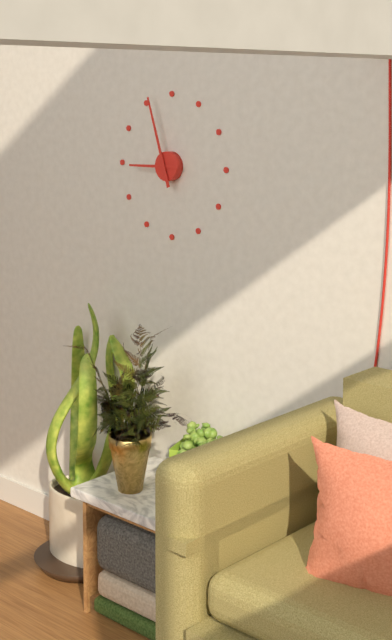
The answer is h=8 m=57
